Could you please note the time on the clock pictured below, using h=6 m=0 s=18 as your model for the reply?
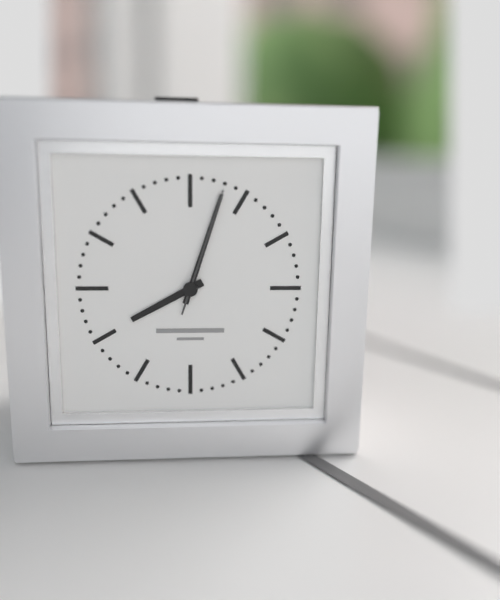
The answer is h=8 m=3 s=3
